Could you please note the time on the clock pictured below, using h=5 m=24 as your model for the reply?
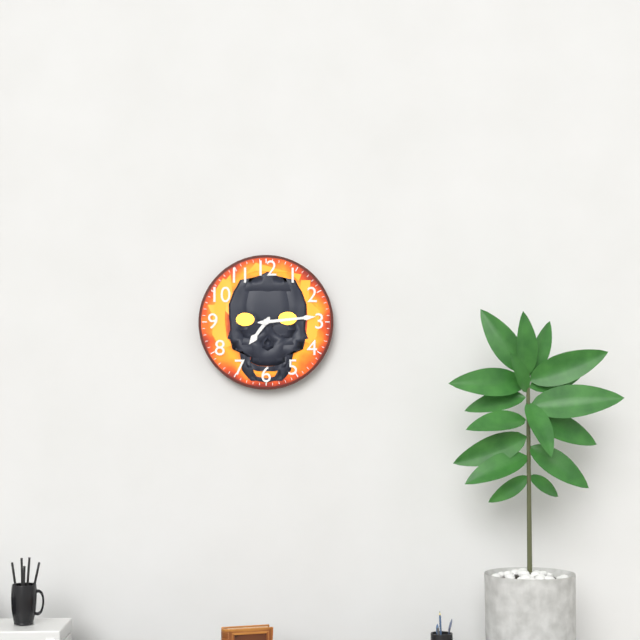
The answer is h=7 m=14
